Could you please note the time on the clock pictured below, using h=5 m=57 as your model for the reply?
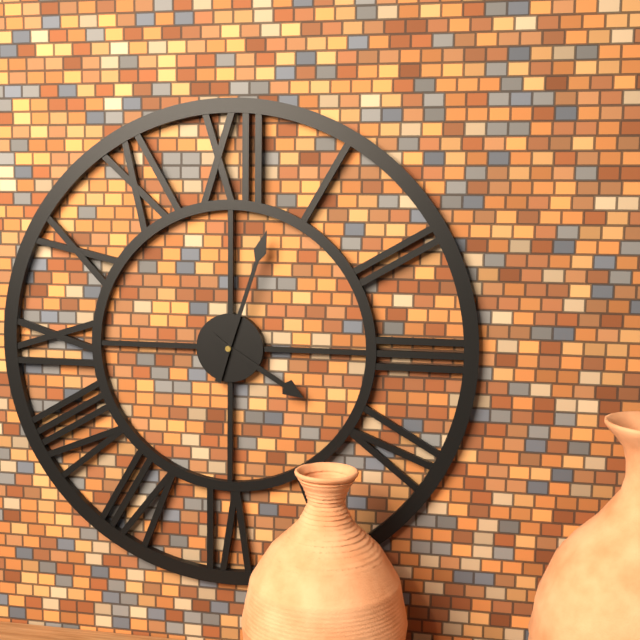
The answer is h=4 m=3
